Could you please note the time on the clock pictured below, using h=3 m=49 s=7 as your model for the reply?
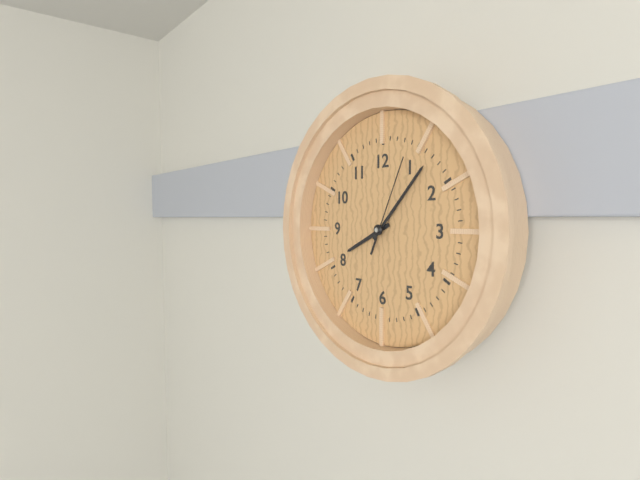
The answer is h=8 m=7 s=4
